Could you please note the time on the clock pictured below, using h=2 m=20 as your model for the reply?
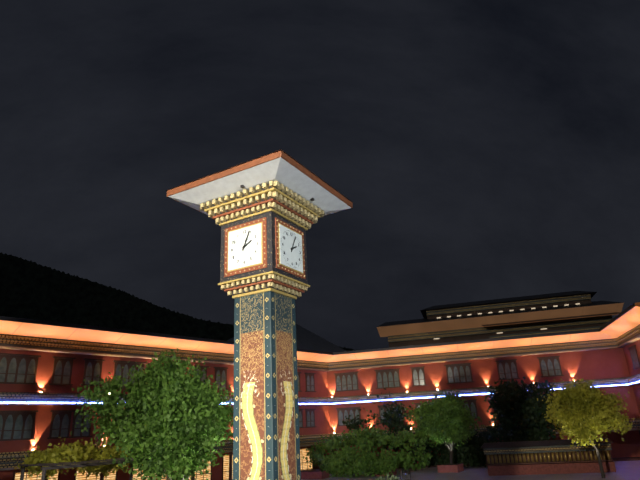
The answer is h=2 m=4
